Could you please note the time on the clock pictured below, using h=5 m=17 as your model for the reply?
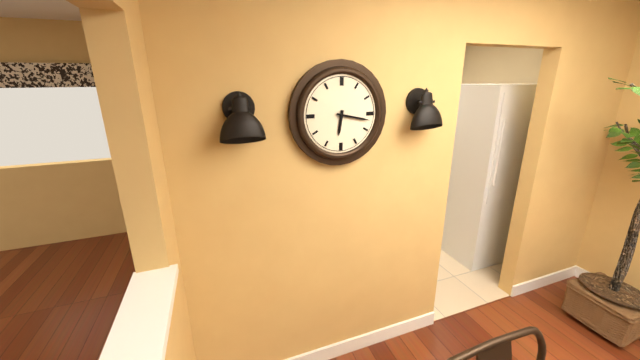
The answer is h=6 m=17
